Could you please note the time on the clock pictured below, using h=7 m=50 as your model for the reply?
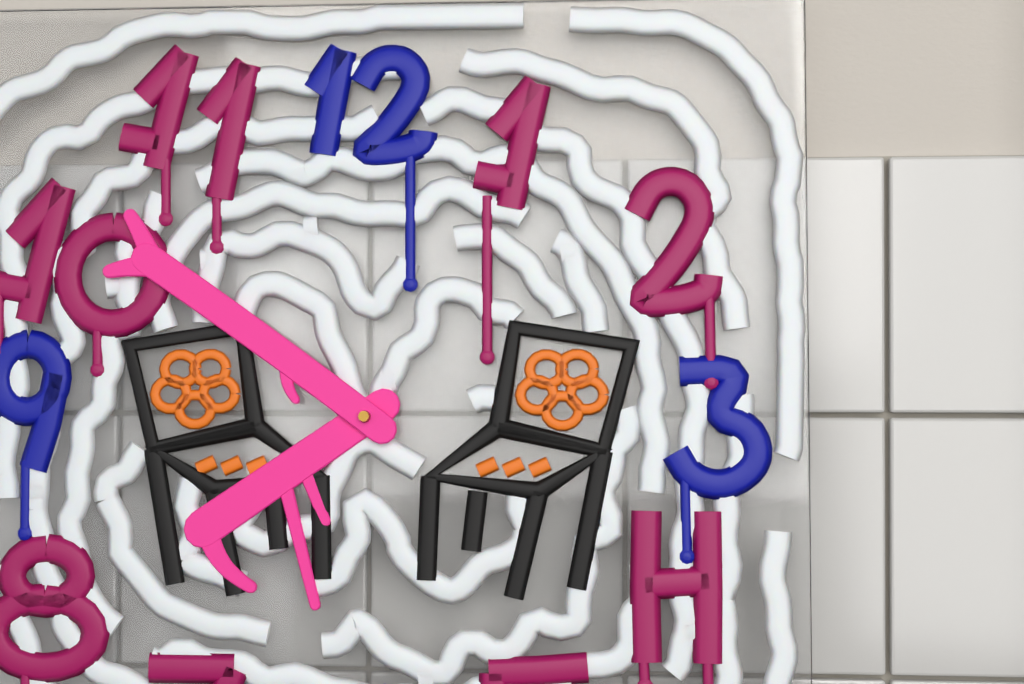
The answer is h=7 m=51
